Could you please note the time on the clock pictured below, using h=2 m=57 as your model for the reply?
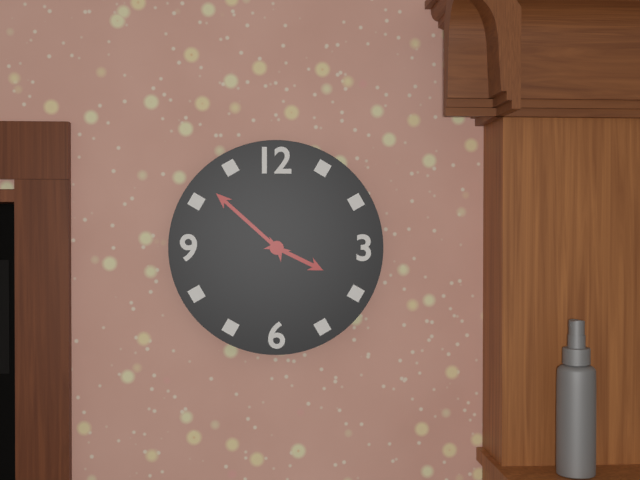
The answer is h=3 m=52
